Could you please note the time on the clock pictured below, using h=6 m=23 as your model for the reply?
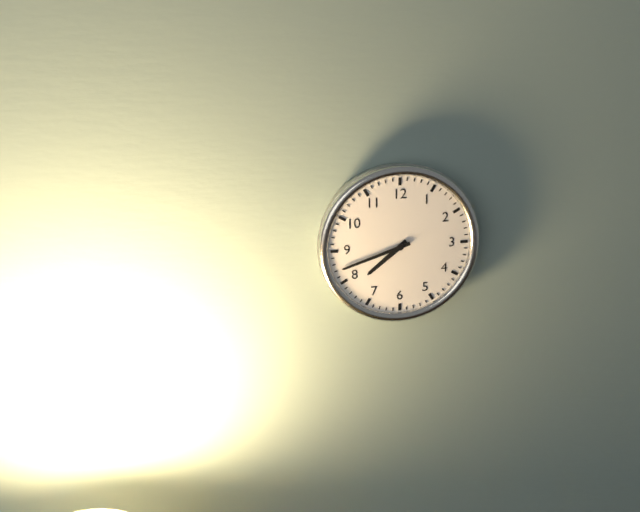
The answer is h=7 m=42
